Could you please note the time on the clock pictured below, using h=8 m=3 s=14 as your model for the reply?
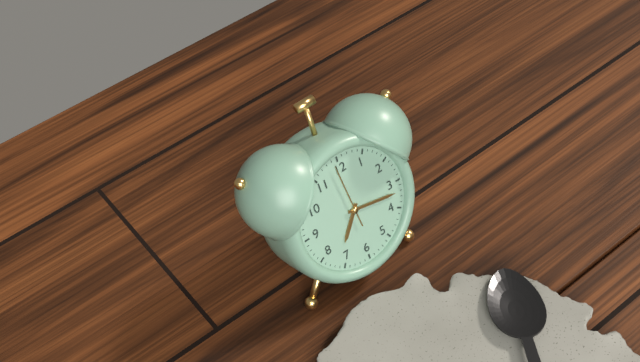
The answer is h=7 m=17 s=59
